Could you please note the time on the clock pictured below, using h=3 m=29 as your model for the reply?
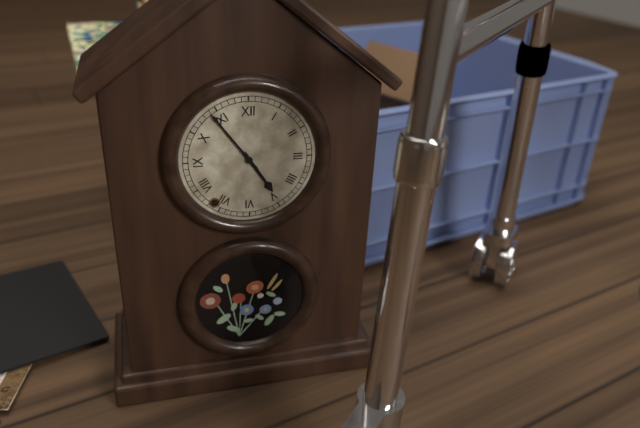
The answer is h=4 m=54
